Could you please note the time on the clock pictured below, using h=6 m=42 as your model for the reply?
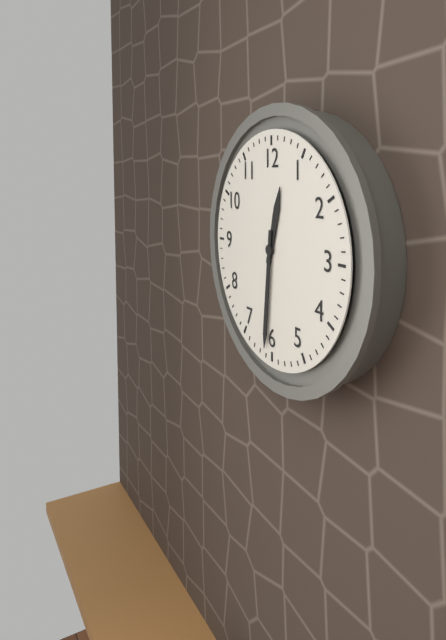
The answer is h=12 m=31
